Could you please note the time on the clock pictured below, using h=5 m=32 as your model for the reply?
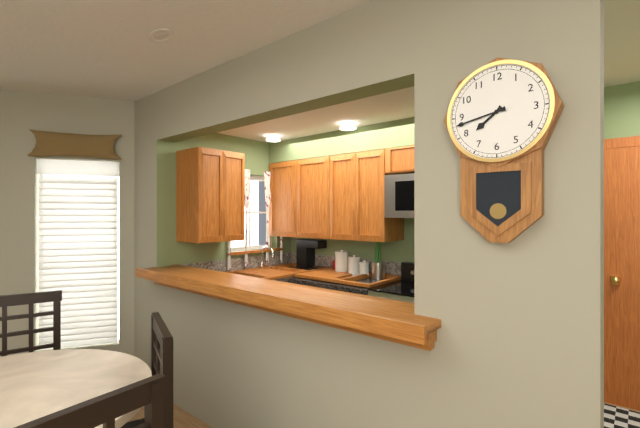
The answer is h=7 m=43
